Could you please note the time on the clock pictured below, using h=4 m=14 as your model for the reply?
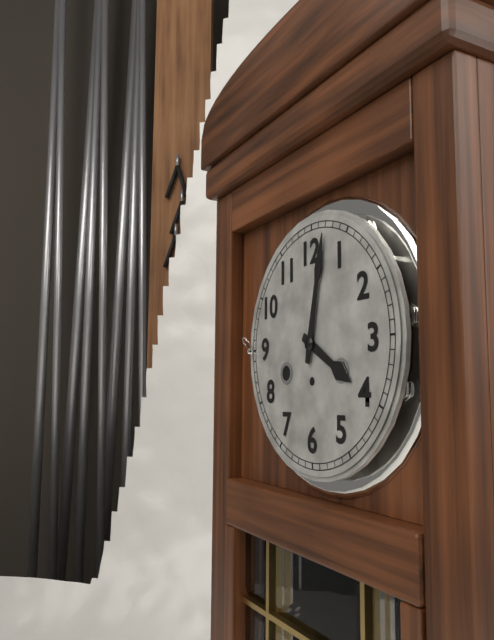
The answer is h=4 m=2
